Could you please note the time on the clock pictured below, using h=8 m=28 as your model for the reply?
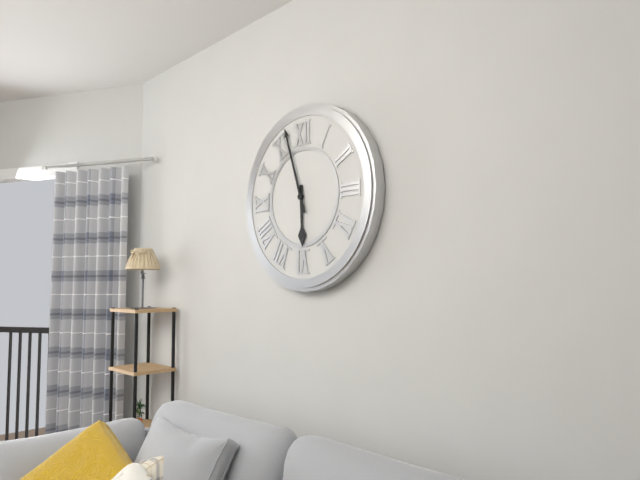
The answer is h=5 m=57
